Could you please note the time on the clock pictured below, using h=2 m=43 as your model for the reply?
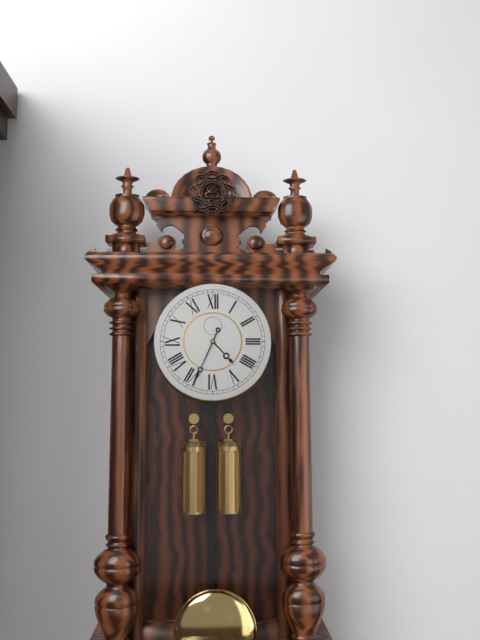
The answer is h=4 m=34
